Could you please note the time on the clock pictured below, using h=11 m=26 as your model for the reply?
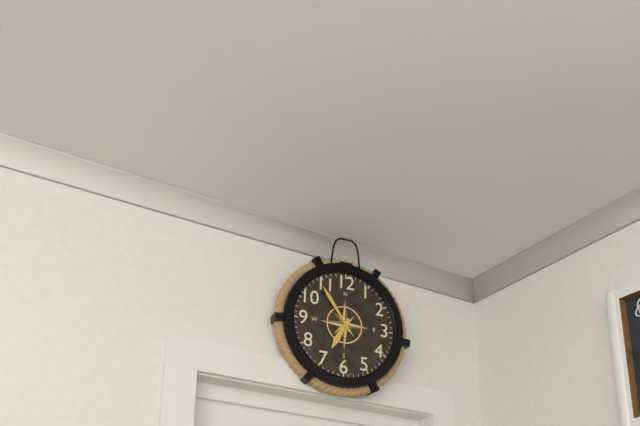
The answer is h=6 m=54
